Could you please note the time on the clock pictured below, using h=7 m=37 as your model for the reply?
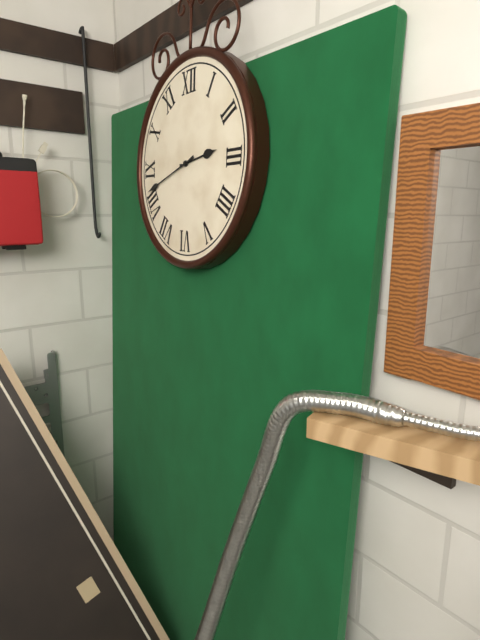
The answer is h=2 m=42
